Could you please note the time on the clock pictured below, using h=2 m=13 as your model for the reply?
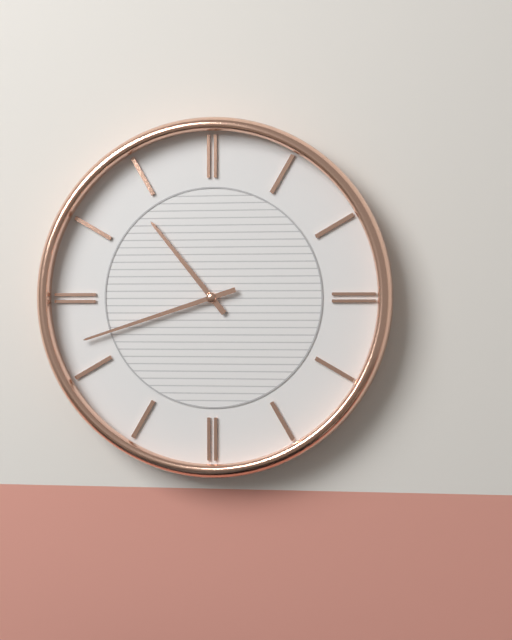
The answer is h=10 m=42
